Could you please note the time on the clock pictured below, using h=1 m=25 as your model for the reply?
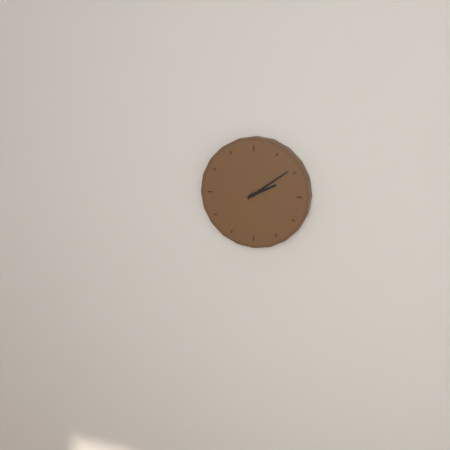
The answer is h=2 m=9
